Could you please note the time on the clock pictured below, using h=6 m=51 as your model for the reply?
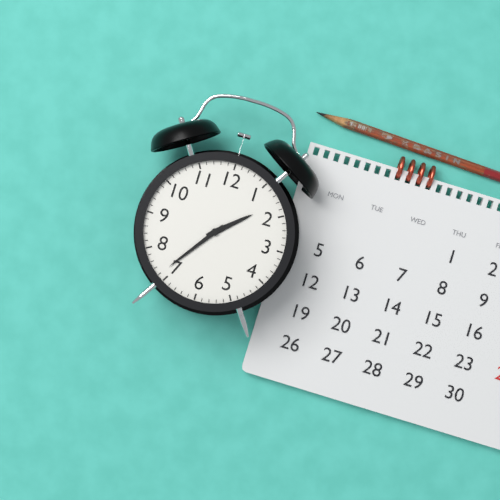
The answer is h=1 m=36
